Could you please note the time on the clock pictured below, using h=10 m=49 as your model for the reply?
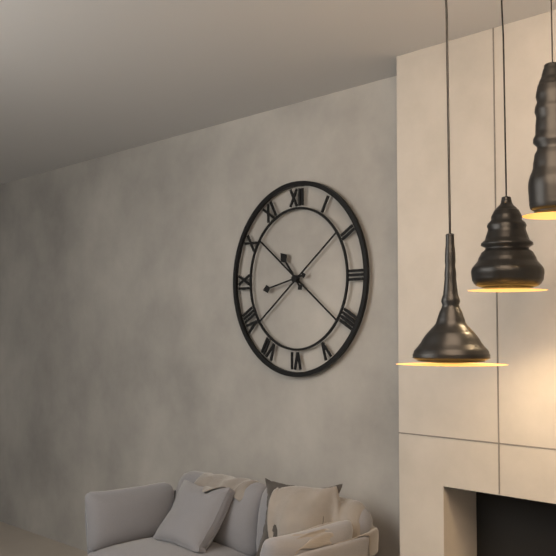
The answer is h=10 m=43
